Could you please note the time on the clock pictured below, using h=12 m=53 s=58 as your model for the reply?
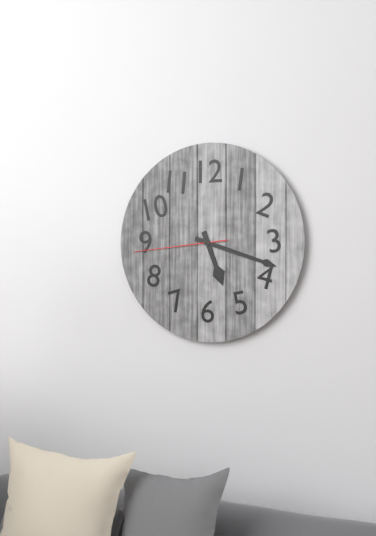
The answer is h=5 m=18 s=44
